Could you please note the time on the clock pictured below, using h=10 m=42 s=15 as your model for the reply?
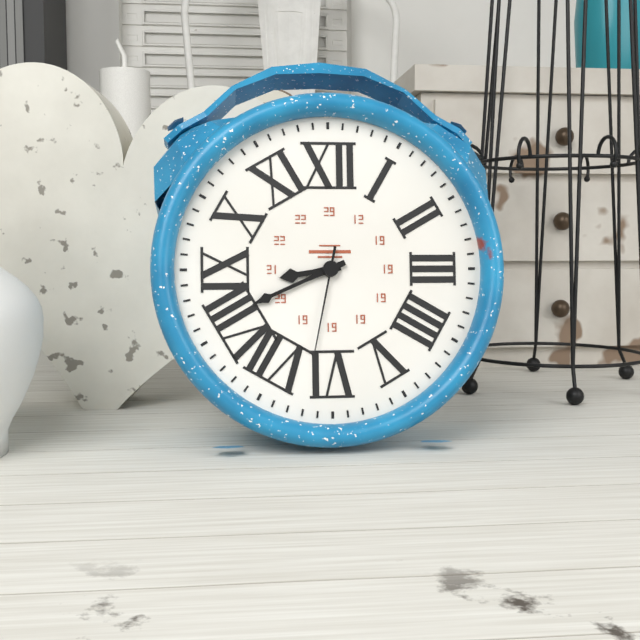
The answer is h=8 m=41 s=32
